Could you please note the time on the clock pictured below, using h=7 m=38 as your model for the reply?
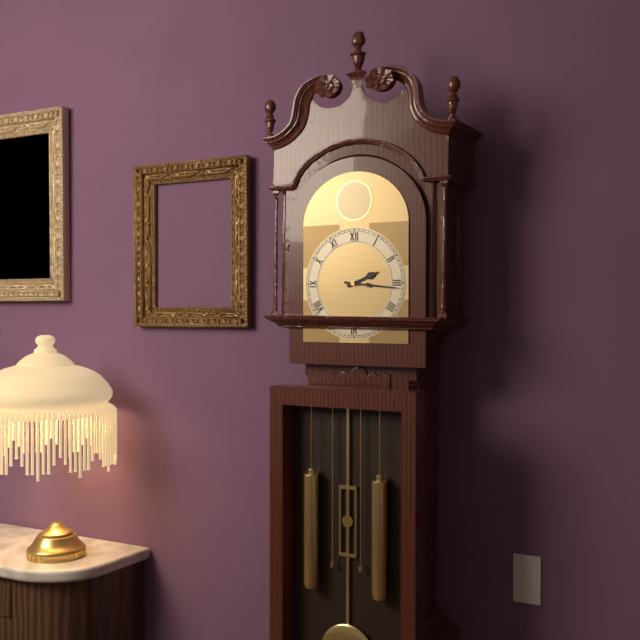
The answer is h=2 m=16
